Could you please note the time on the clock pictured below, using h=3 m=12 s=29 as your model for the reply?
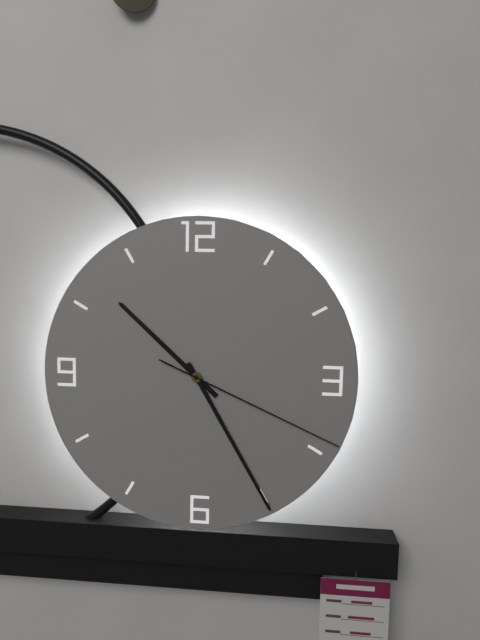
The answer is h=10 m=25 s=19
